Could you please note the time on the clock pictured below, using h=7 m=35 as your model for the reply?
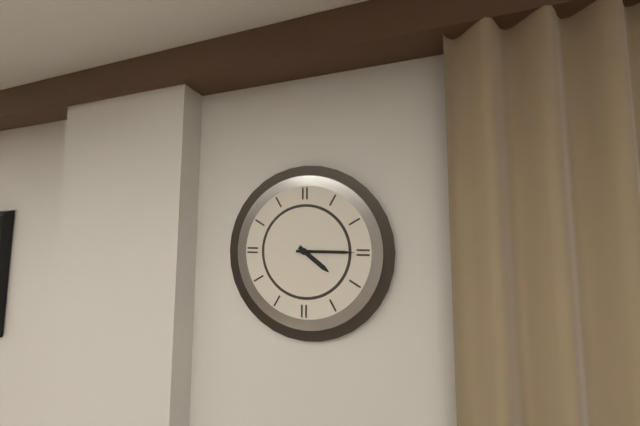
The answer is h=4 m=15
